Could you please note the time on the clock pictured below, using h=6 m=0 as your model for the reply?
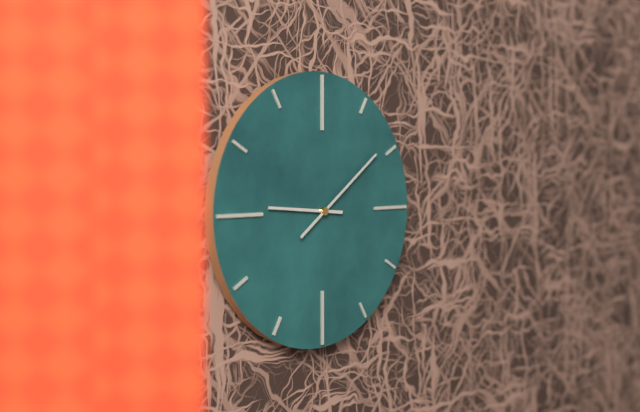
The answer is h=9 m=9
